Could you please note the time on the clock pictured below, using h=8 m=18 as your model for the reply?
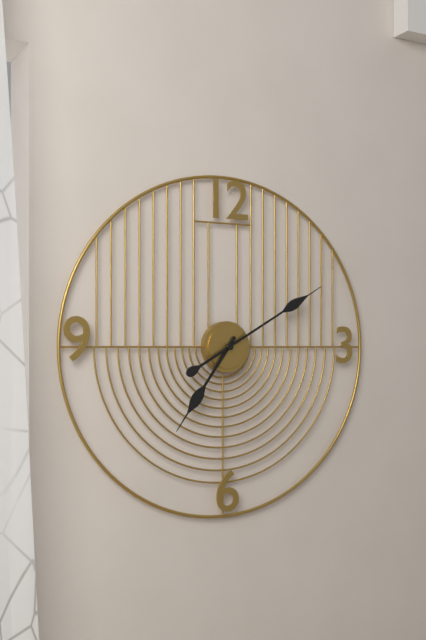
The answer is h=7 m=10
